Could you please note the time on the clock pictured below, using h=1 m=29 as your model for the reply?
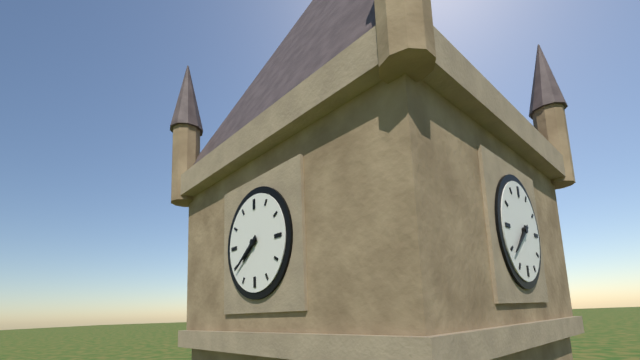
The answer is h=7 m=39
